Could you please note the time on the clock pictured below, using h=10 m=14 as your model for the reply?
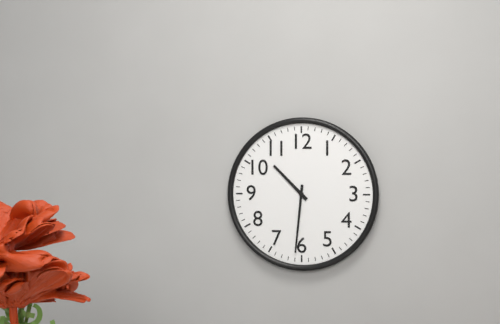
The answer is h=10 m=31
